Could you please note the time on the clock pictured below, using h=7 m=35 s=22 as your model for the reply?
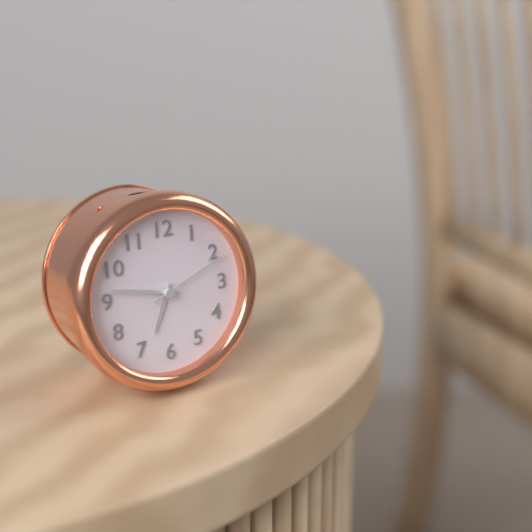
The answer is h=6 m=47 s=11
